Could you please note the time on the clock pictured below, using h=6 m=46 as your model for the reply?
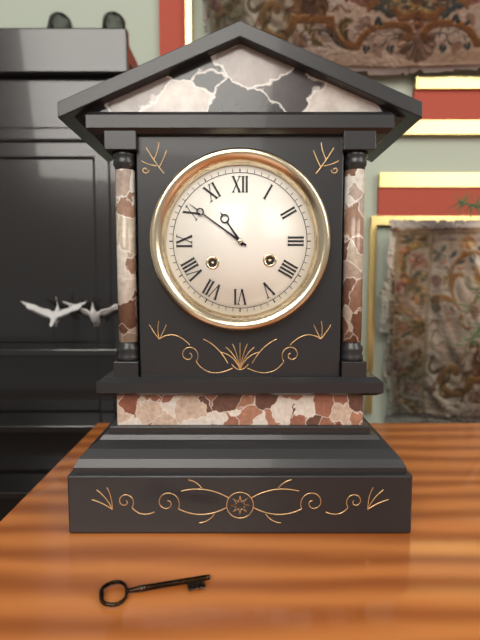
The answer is h=10 m=51
